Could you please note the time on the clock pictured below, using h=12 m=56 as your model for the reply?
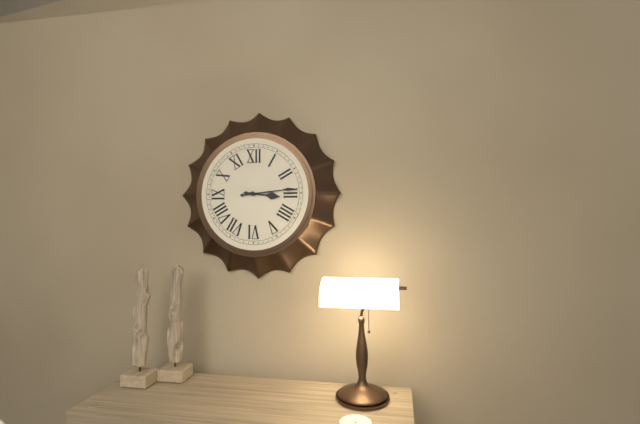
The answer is h=3 m=14
